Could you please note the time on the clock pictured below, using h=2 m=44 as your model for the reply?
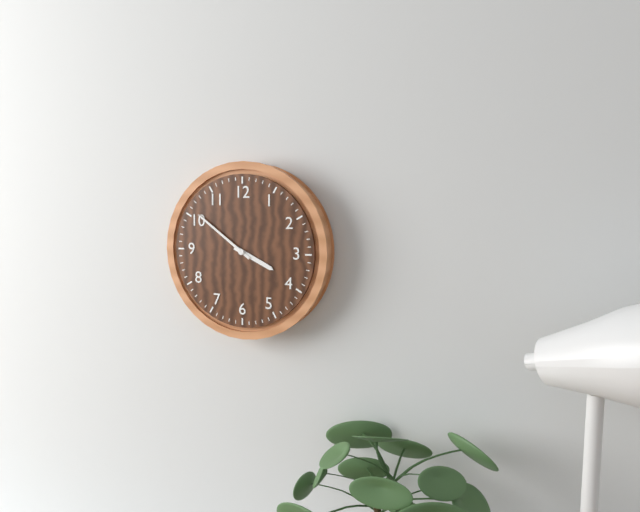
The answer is h=3 m=51
